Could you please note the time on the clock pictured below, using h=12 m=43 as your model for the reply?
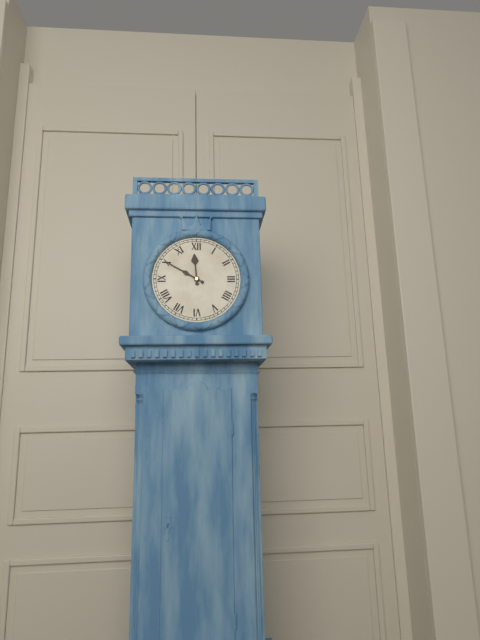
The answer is h=11 m=50
